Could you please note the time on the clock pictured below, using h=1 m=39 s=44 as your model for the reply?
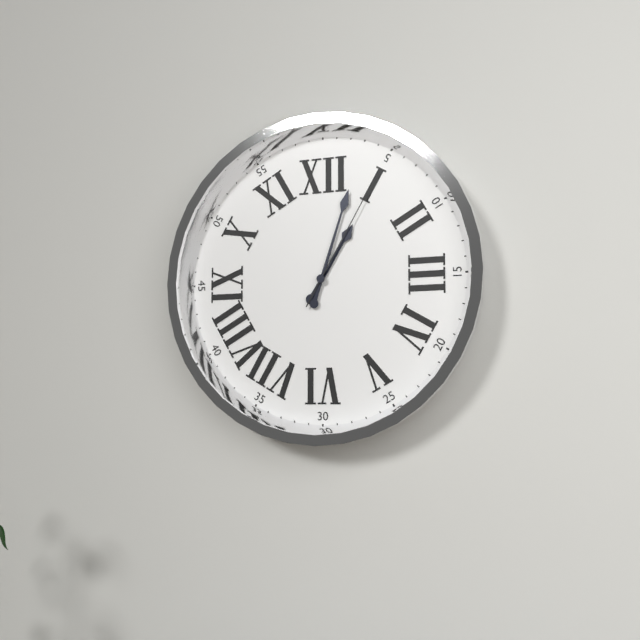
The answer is h=1 m=3 s=5
